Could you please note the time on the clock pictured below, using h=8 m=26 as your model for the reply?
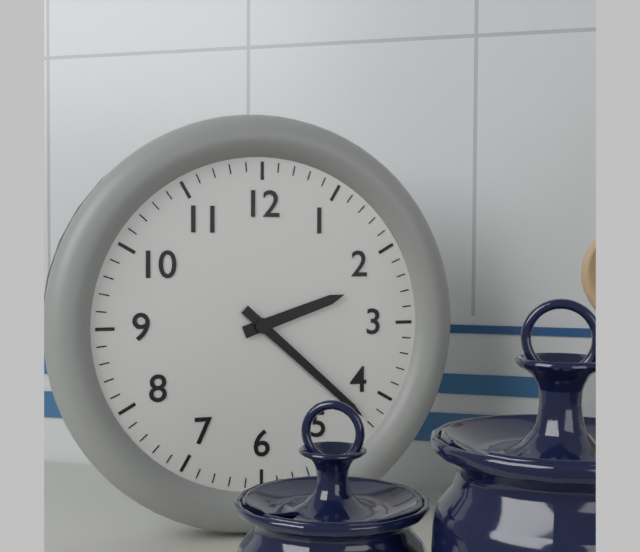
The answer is h=2 m=22
